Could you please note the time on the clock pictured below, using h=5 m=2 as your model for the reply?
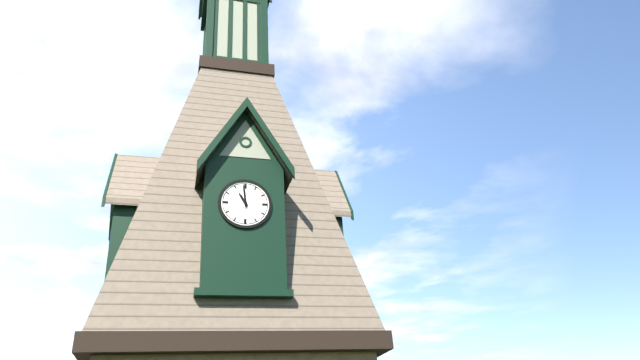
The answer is h=10 m=59
